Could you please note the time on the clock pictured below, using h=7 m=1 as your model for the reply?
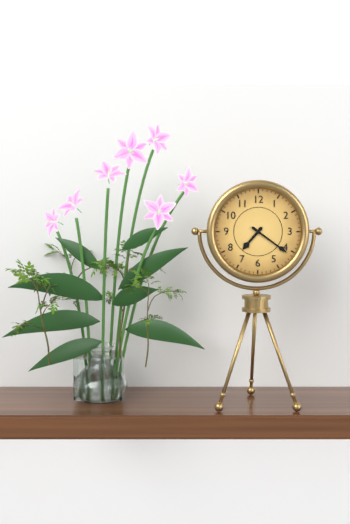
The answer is h=7 m=21
